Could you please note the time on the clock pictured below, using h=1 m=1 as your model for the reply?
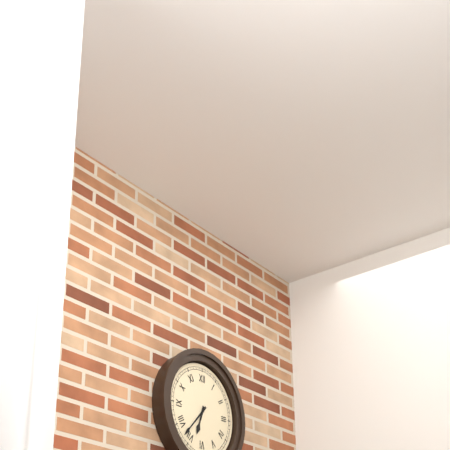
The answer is h=6 m=37
